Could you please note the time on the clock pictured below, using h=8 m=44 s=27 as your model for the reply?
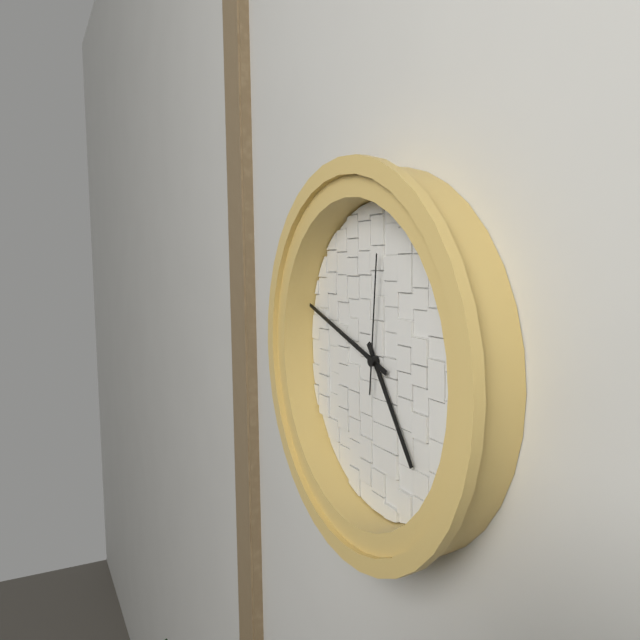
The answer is h=4 m=48 s=1
